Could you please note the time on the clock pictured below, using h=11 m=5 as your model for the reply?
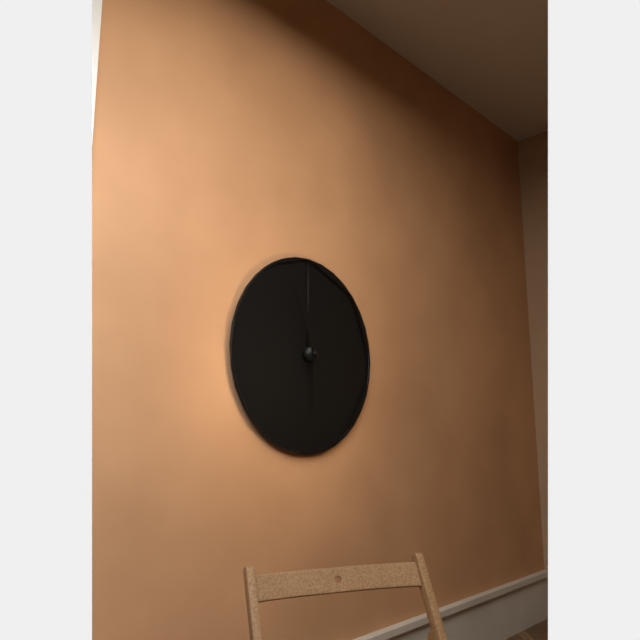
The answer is h=5 m=56
